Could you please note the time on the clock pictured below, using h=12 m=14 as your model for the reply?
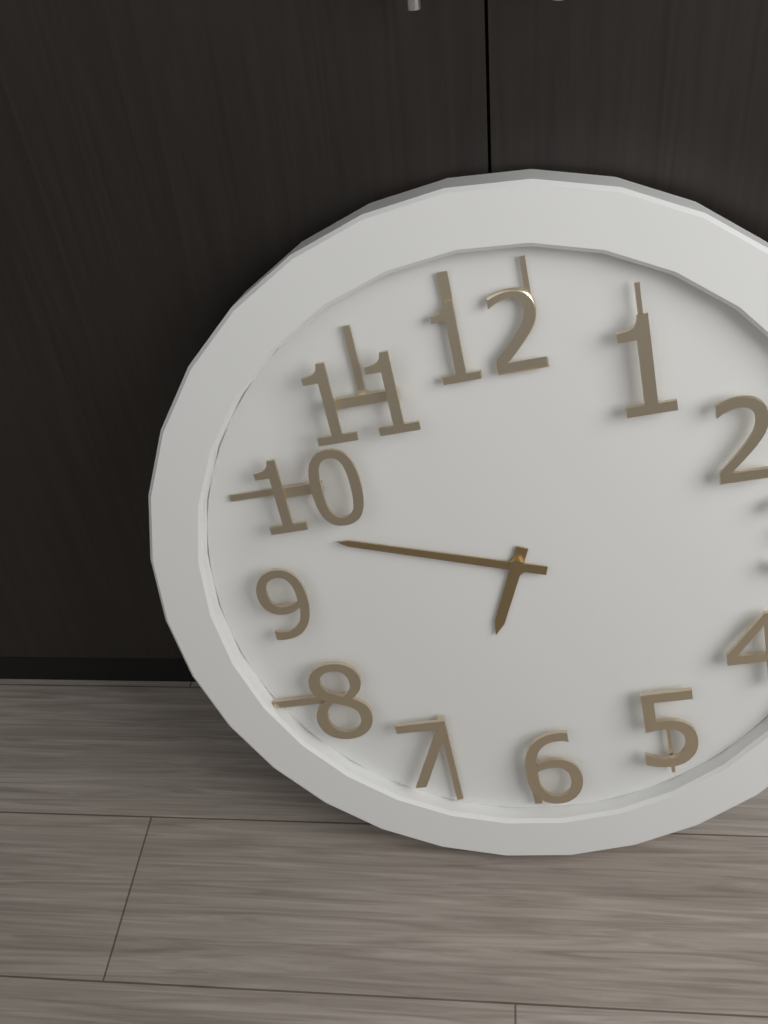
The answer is h=6 m=48
